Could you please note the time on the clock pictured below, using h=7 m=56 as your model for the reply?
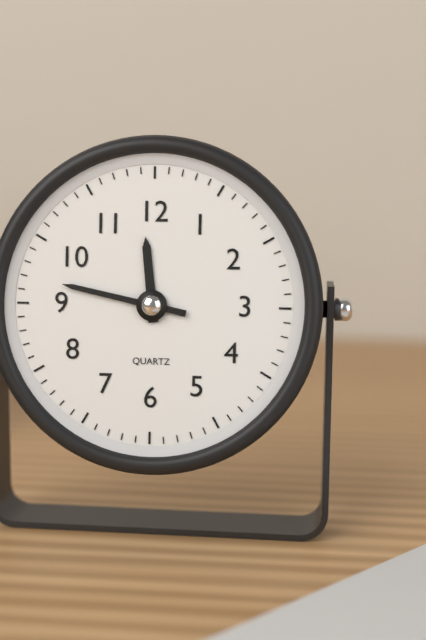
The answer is h=11 m=47
